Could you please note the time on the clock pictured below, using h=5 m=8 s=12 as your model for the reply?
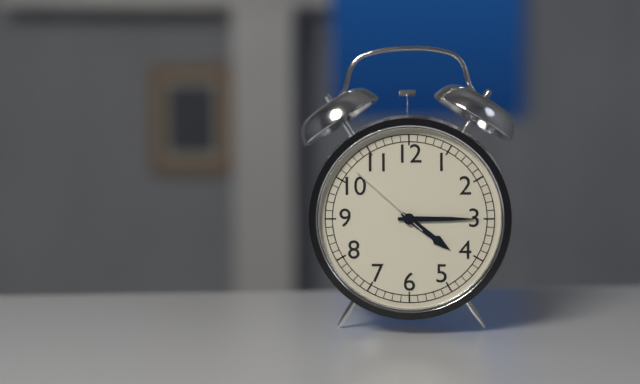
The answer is h=4 m=15 s=52
